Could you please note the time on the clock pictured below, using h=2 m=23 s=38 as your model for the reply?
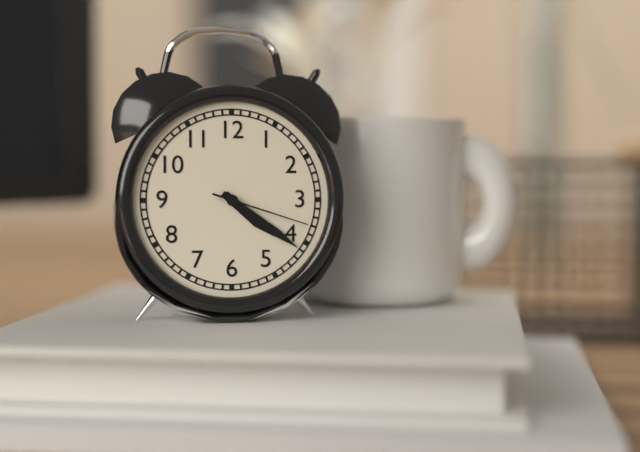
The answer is h=4 m=21 s=18
